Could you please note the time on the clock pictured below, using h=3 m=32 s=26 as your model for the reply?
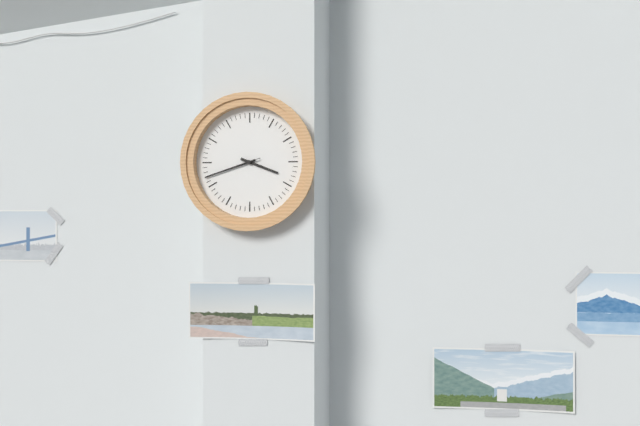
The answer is h=3 m=42 s=42
